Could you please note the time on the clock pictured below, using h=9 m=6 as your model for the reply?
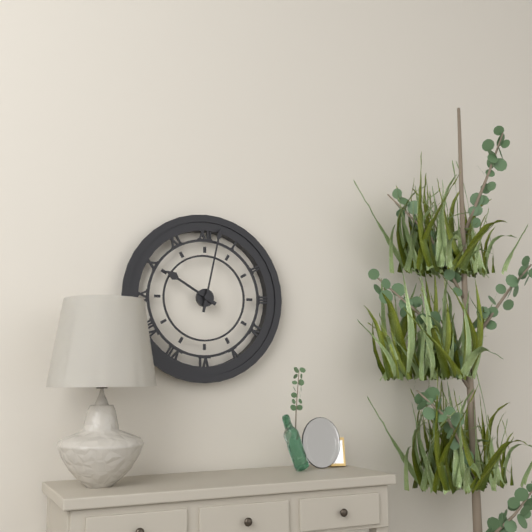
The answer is h=10 m=2
